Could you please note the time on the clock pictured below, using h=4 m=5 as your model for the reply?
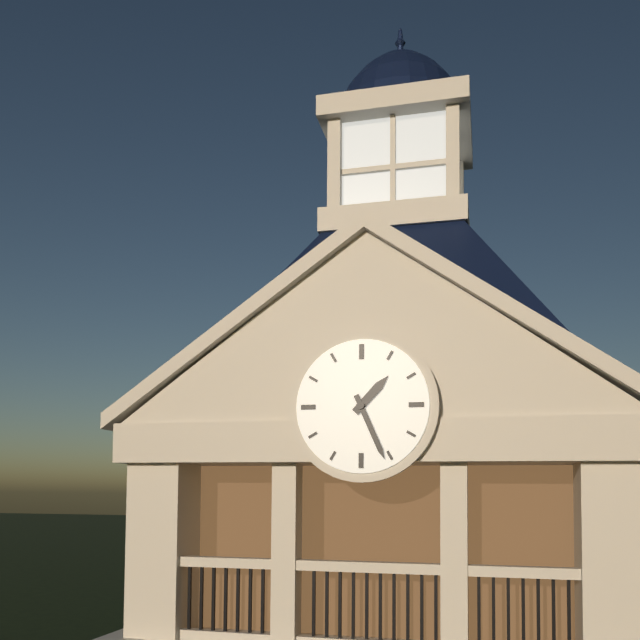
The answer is h=1 m=26
